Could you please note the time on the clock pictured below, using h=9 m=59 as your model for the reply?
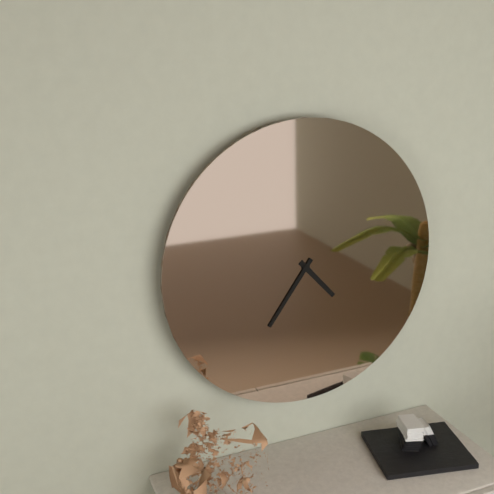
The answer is h=4 m=36
